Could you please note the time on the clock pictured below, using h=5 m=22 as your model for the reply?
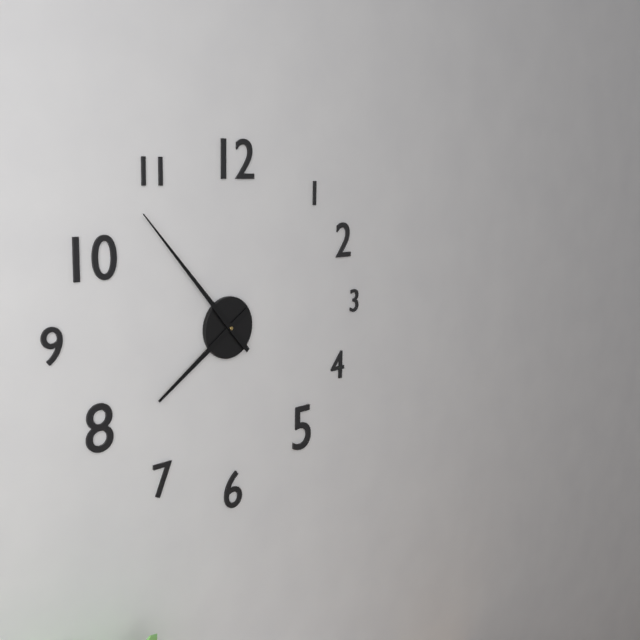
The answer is h=7 m=53
